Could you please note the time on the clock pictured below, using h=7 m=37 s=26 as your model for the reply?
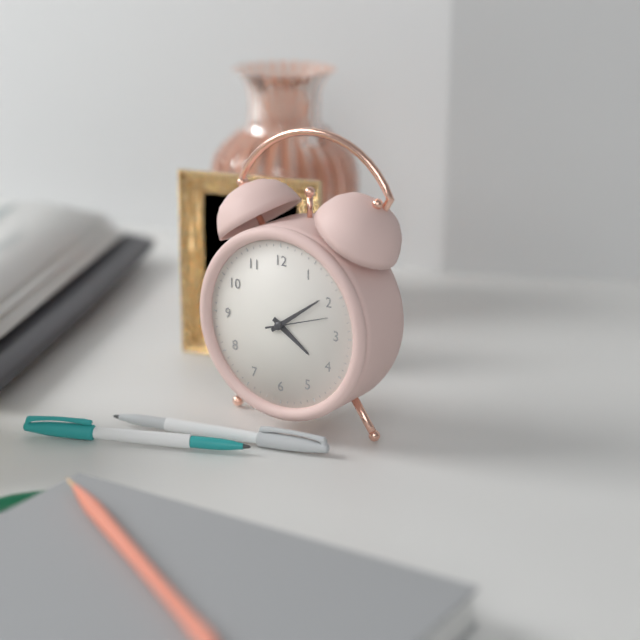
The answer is h=4 m=9 s=12
